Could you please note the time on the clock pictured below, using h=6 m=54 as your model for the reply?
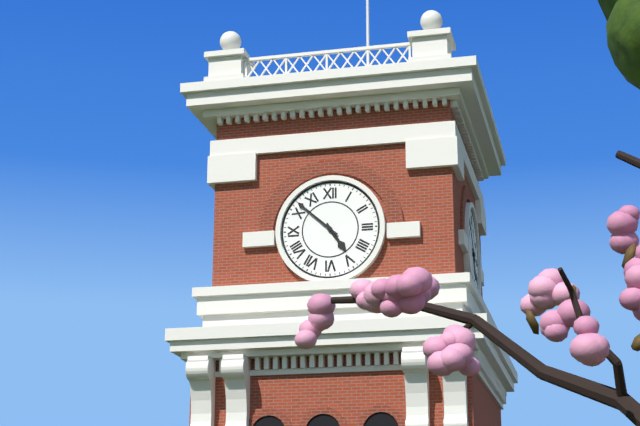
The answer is h=4 m=52
